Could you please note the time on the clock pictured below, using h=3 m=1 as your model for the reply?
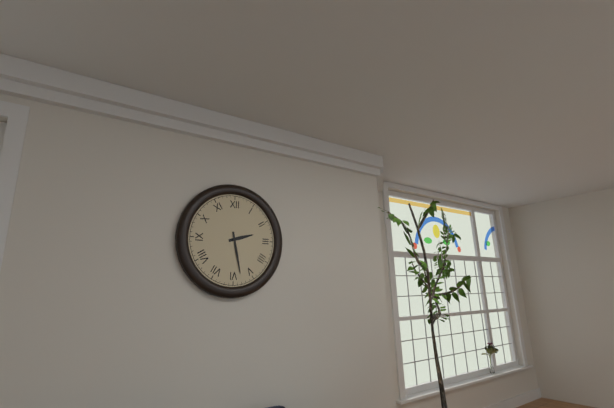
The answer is h=2 m=28
